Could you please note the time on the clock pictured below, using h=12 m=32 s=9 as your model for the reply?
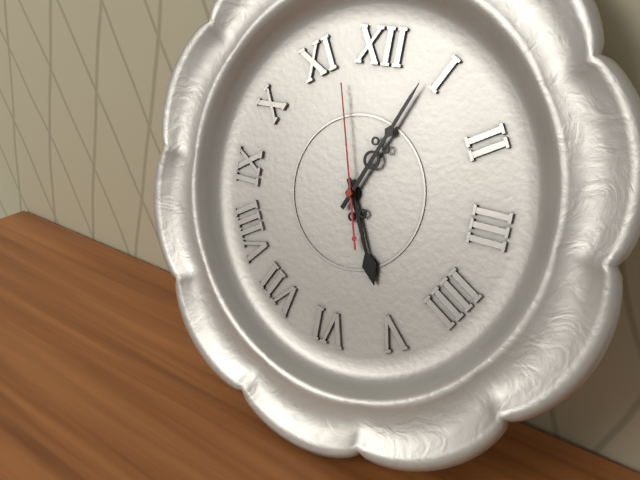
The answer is h=5 m=4 s=57
